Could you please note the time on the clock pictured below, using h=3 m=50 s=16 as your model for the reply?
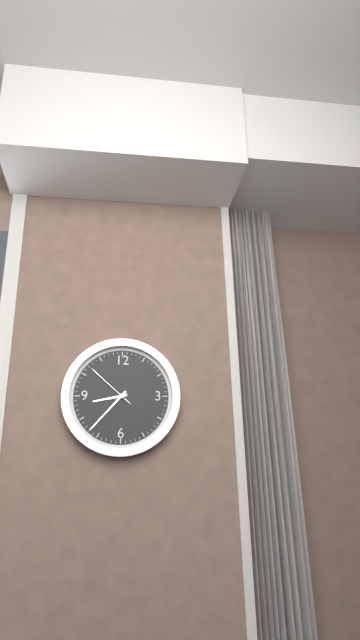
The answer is h=8 m=37 s=52
